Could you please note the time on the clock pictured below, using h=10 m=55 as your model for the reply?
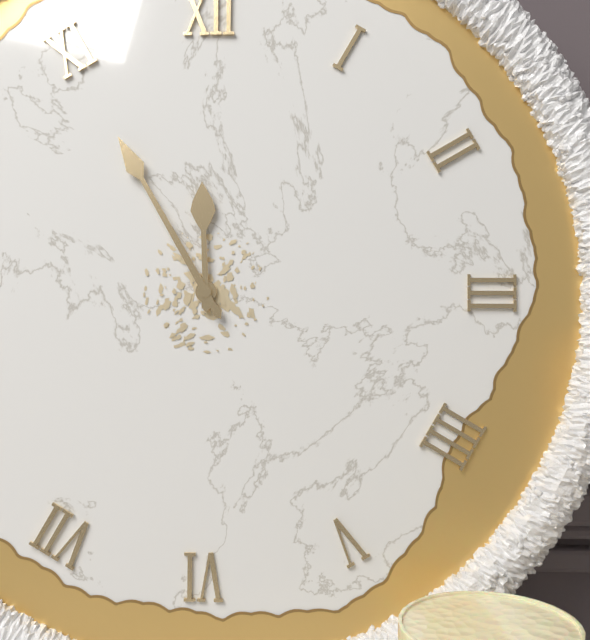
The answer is h=11 m=55
